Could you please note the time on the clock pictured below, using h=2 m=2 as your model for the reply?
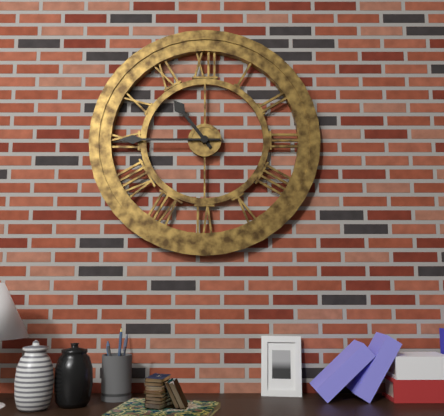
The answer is h=10 m=45
